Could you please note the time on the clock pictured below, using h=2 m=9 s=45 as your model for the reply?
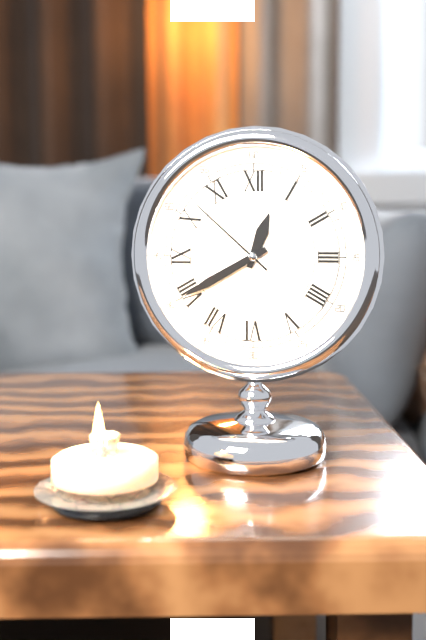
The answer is h=12 m=40 s=52
